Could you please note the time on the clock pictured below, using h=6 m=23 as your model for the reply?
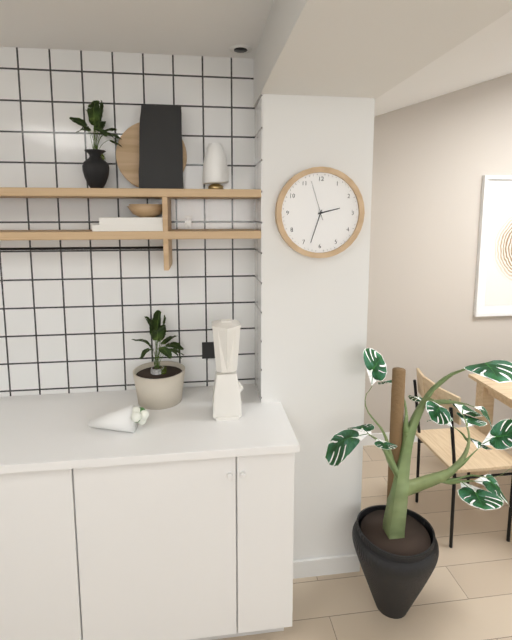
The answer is h=2 m=33
